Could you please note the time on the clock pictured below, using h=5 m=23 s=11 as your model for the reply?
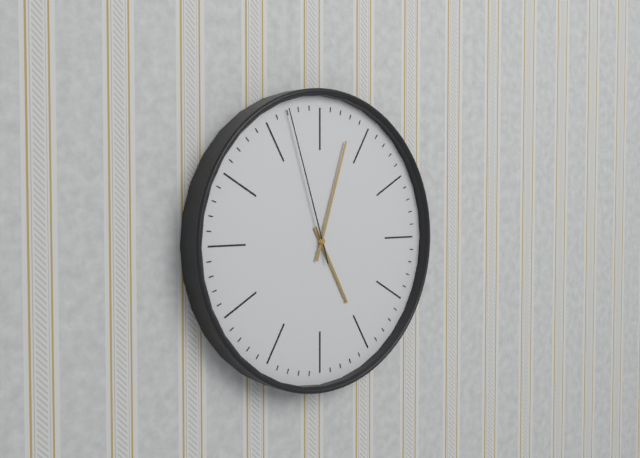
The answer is h=5 m=3 s=57
